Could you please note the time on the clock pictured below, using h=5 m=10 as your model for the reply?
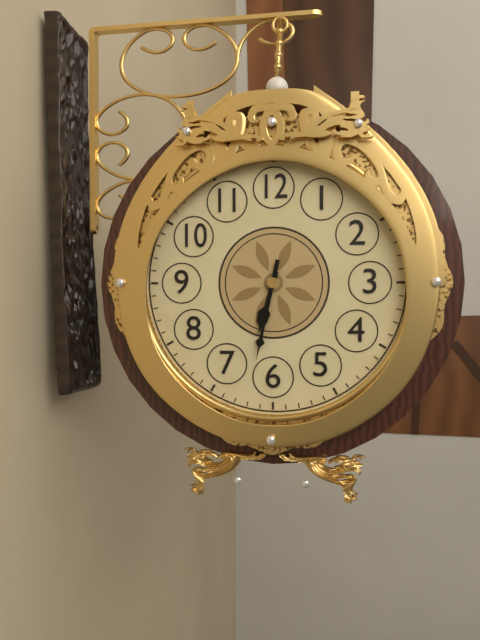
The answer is h=6 m=32
